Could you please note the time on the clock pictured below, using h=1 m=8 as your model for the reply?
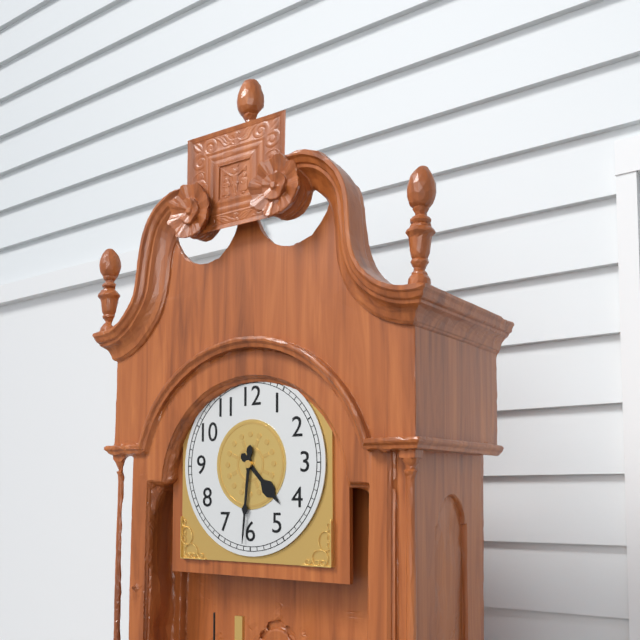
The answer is h=4 m=31
